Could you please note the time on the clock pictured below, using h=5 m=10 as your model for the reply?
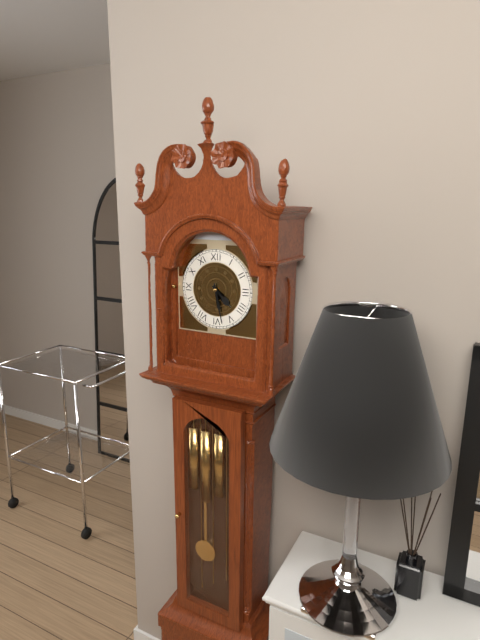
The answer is h=4 m=28
